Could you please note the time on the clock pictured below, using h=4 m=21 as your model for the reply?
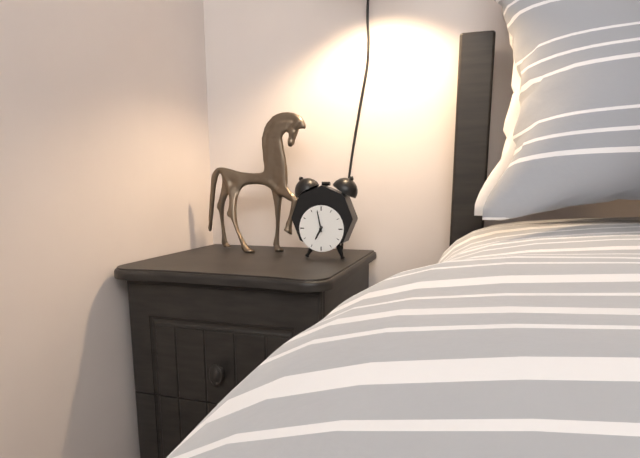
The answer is h=6 m=58
